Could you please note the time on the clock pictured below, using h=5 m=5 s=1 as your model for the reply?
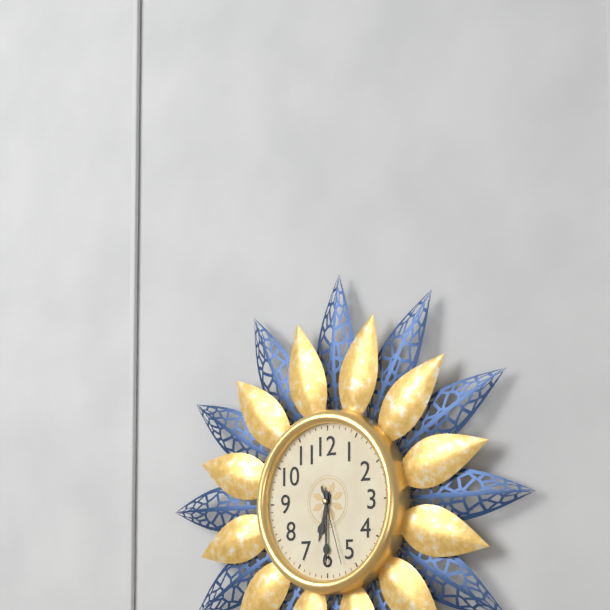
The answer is h=6 m=30 s=27
